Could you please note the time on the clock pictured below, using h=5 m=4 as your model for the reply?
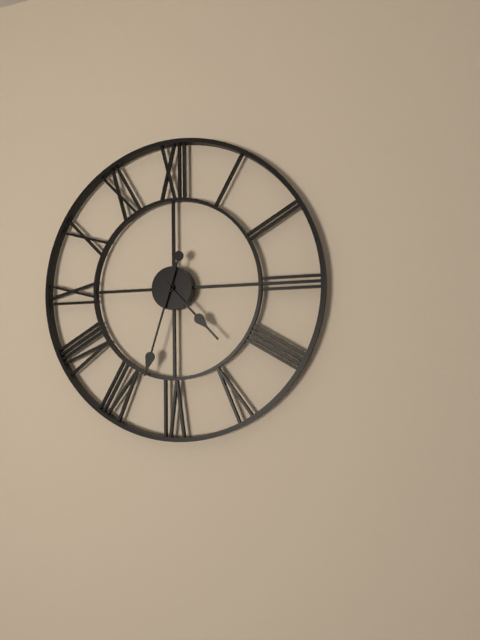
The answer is h=4 m=33
